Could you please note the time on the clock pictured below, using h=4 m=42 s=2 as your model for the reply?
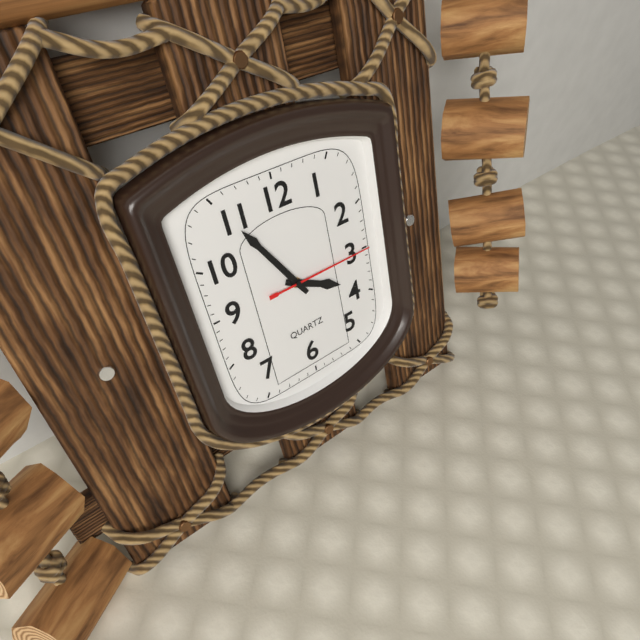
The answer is h=3 m=55 s=15
